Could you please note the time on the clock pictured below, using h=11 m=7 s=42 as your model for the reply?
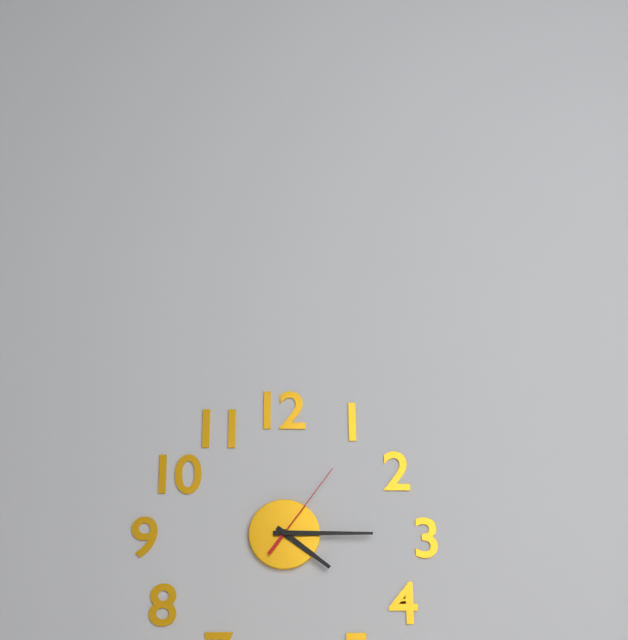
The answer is h=4 m=15 s=6
